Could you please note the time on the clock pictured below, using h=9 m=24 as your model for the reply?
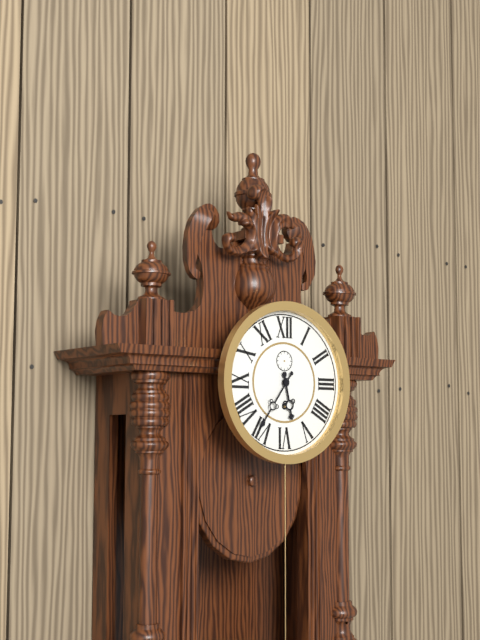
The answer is h=5 m=36
